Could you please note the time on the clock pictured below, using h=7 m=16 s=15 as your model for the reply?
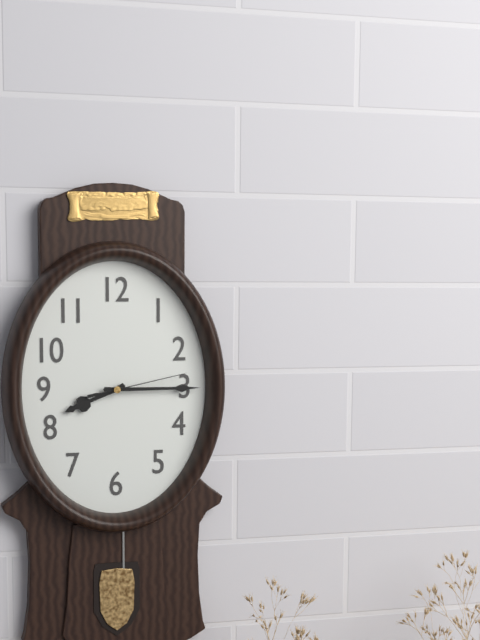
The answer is h=8 m=15 s=13
